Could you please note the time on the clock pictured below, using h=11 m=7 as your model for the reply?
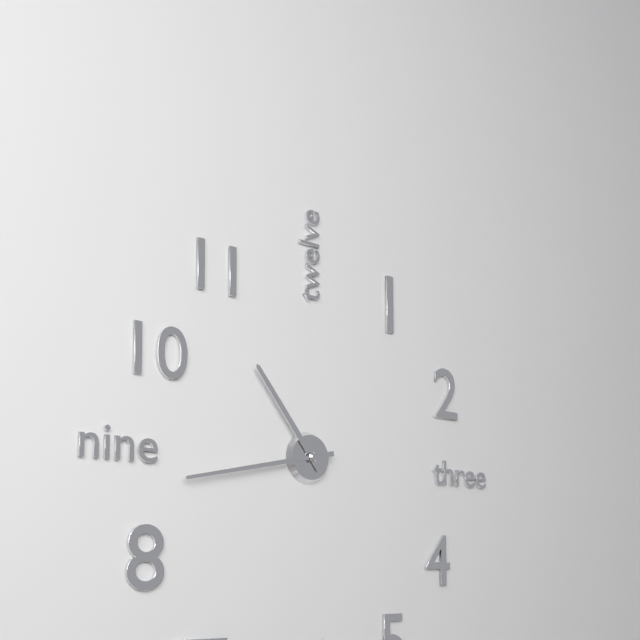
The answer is h=10 m=43
